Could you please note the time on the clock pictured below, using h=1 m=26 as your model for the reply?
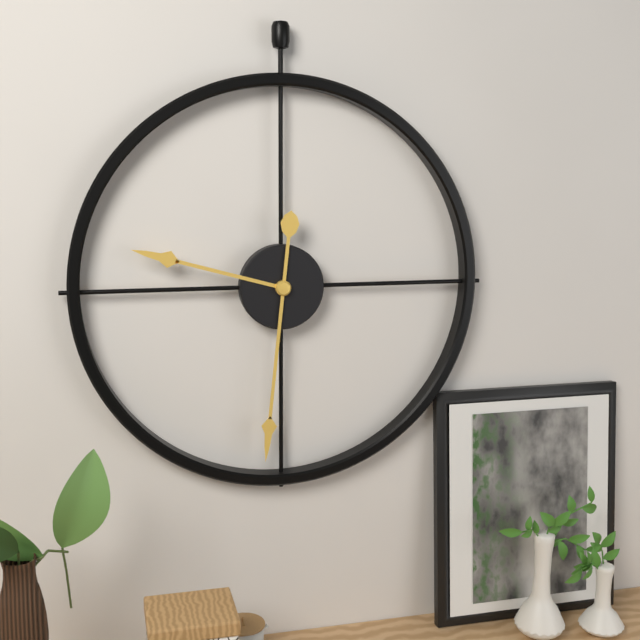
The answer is h=9 m=31
